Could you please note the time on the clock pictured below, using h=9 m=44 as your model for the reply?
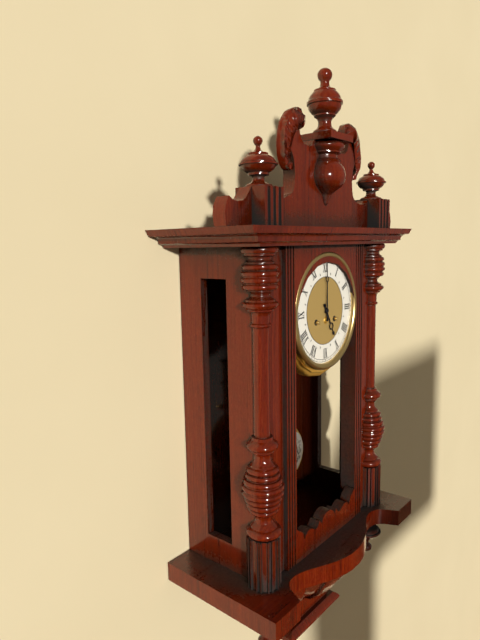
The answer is h=5 m=0
